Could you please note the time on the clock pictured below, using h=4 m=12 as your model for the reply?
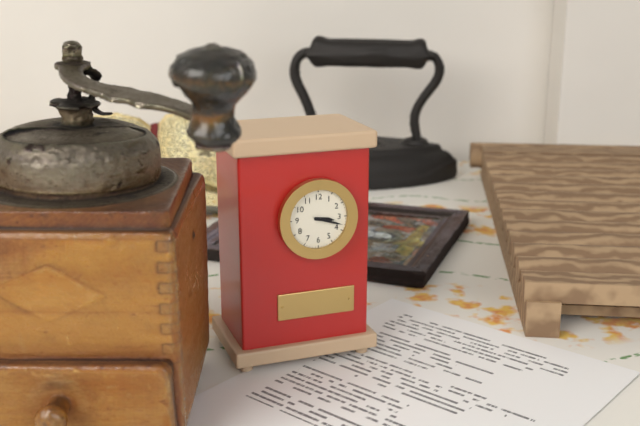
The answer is h=3 m=18
